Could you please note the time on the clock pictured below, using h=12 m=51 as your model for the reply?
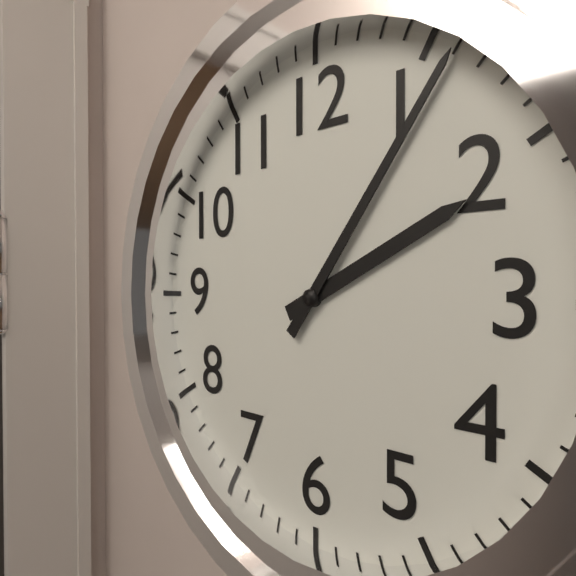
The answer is h=2 m=6
